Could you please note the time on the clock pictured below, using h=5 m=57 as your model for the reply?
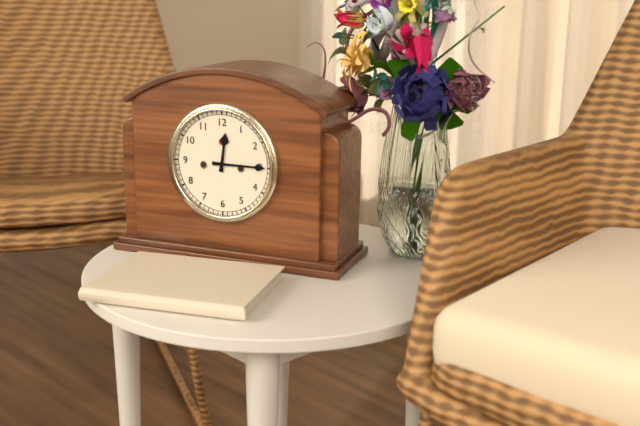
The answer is h=12 m=15
